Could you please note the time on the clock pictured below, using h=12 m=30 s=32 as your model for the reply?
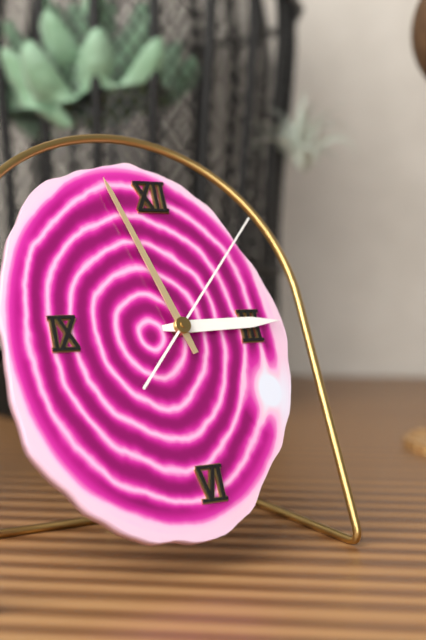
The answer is h=2 m=57 s=7
